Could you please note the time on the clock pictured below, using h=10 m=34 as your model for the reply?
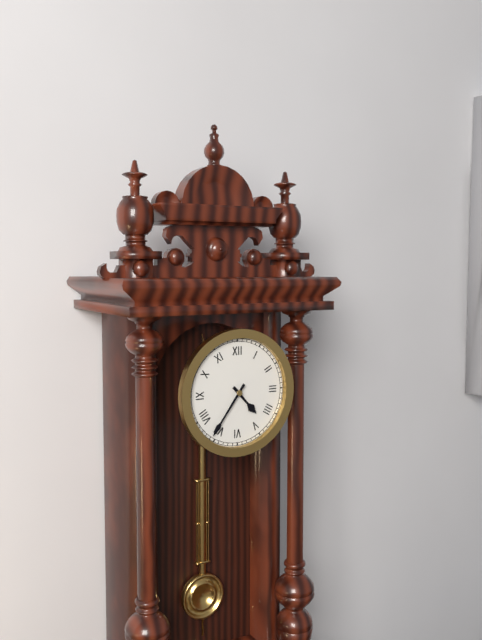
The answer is h=4 m=36
